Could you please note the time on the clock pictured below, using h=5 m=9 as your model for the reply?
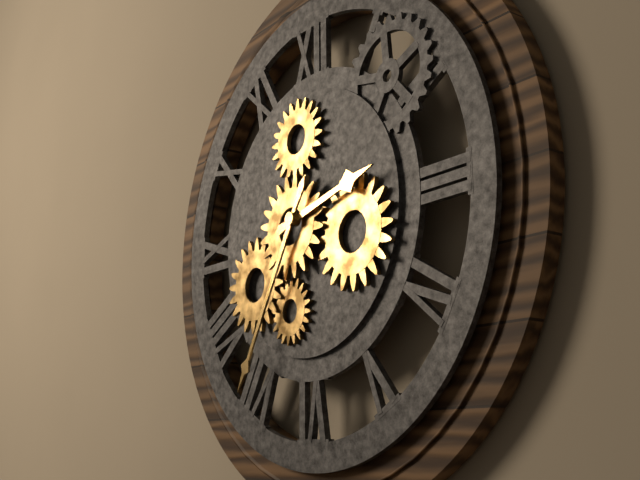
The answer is h=2 m=35
